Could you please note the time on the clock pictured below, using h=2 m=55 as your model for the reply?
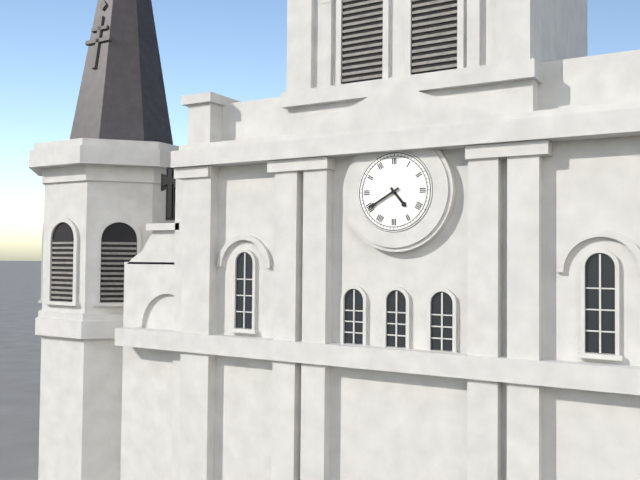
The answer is h=4 m=40
